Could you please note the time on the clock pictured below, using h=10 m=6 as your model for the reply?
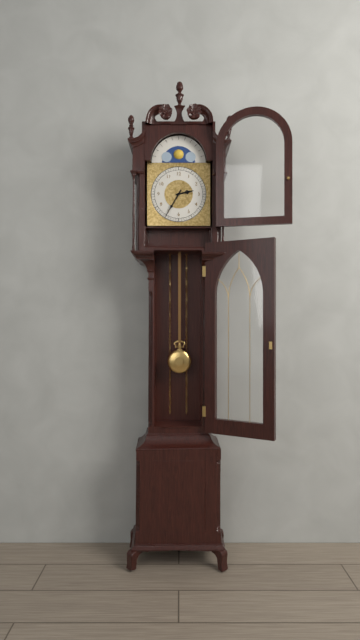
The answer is h=2 m=35
